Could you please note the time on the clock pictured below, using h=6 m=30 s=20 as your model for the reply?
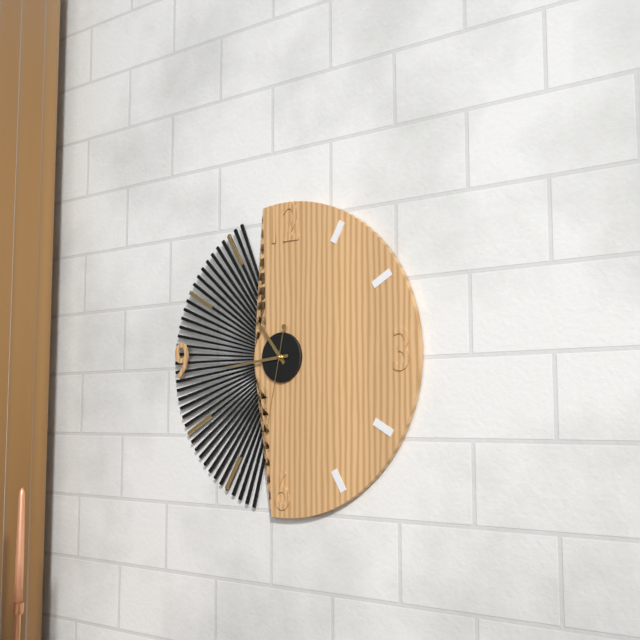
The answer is h=10 m=44 s=32
